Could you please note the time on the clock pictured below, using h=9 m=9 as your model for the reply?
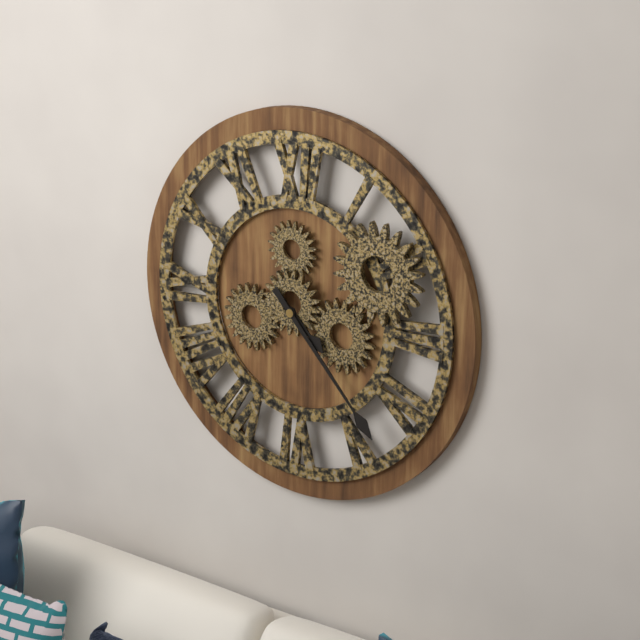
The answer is h=4 m=23
